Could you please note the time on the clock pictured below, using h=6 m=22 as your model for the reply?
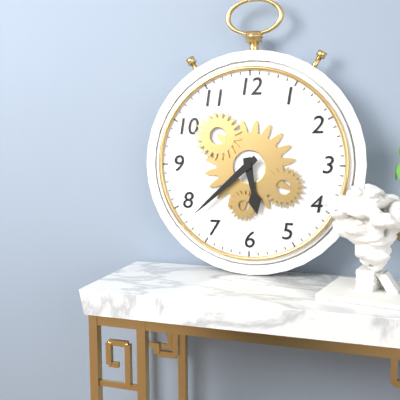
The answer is h=5 m=38
